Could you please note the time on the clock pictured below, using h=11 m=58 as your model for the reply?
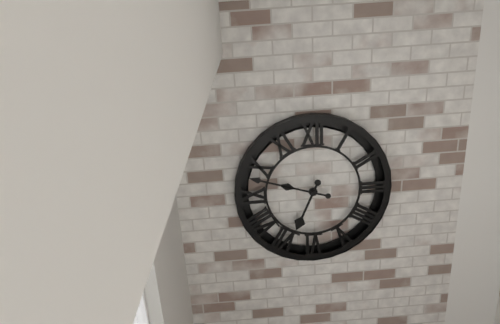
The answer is h=6 m=48
